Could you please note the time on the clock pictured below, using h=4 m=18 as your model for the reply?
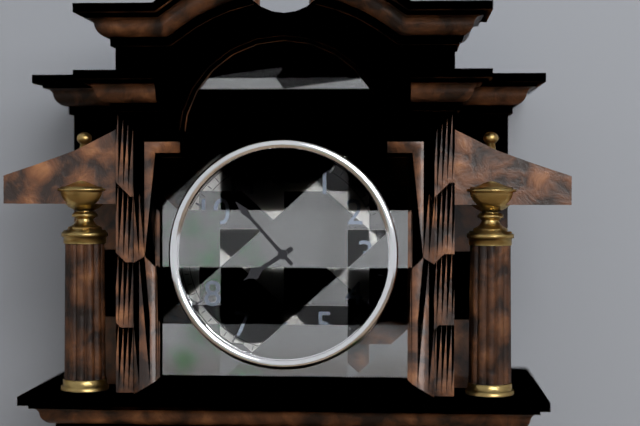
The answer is h=7 m=53
